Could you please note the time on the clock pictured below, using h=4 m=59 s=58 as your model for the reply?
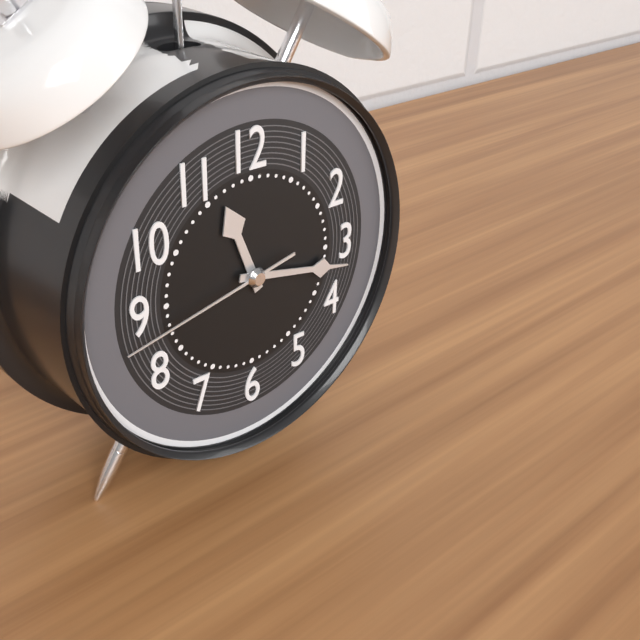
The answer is h=11 m=17 s=43
